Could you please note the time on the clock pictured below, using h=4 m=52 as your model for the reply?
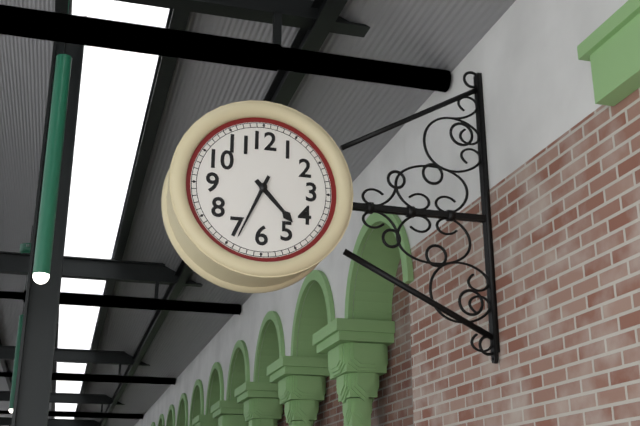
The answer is h=4 m=34
